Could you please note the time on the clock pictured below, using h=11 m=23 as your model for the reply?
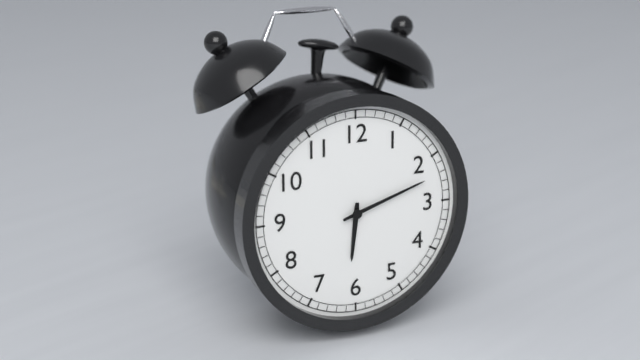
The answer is h=6 m=12
